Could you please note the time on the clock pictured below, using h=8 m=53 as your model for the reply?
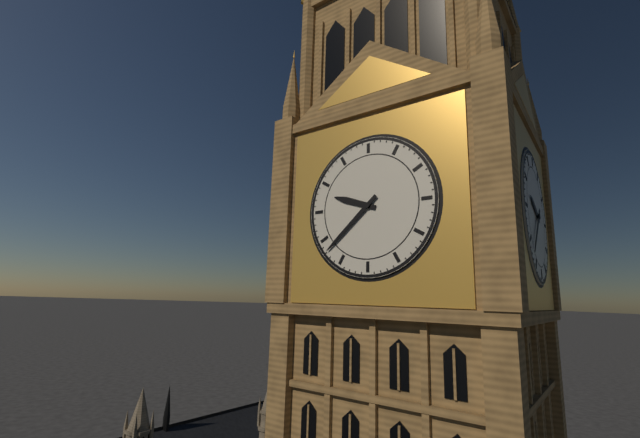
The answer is h=9 m=38
